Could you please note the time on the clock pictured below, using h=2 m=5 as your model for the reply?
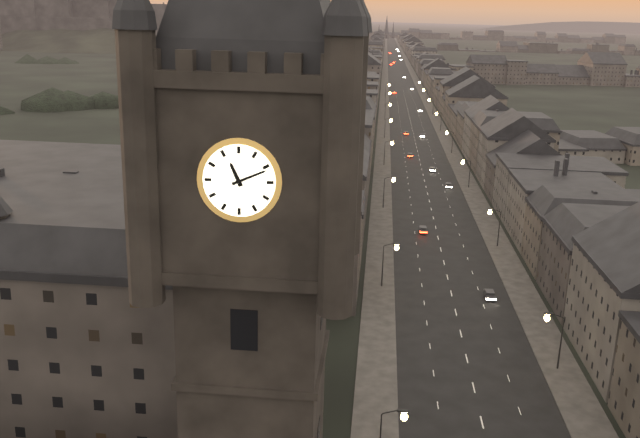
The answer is h=11 m=11
